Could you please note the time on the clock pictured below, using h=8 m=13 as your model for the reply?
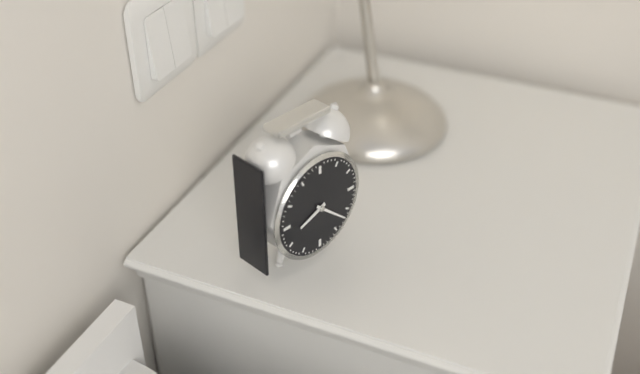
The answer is h=8 m=22
